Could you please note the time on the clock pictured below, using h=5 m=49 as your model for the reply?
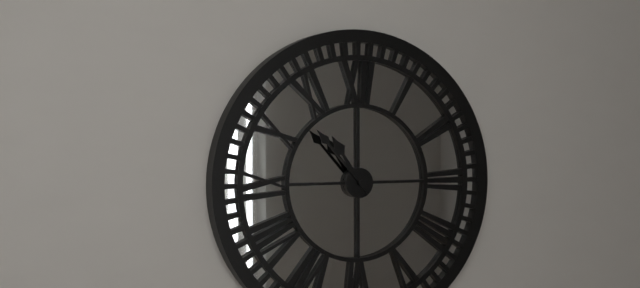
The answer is h=10 m=53
